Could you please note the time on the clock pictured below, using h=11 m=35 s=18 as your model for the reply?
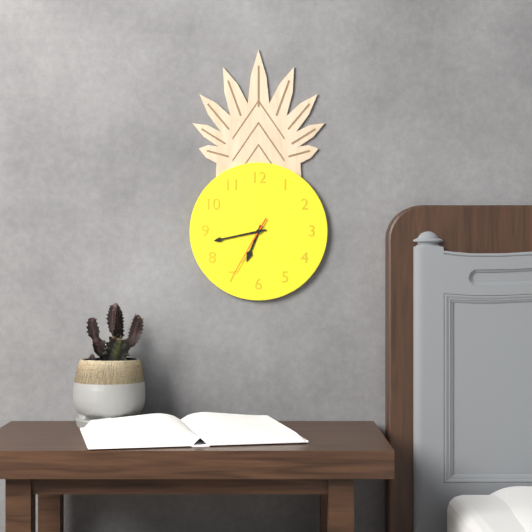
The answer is h=6 m=43 s=35
